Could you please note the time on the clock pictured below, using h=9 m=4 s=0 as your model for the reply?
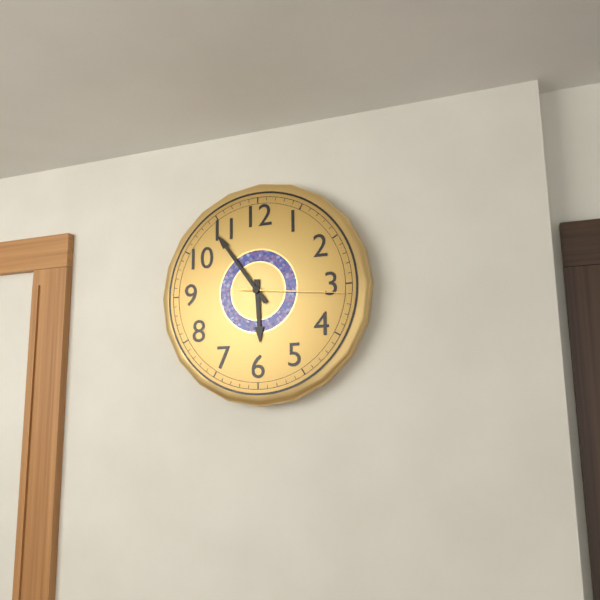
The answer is h=5 m=54 s=16
